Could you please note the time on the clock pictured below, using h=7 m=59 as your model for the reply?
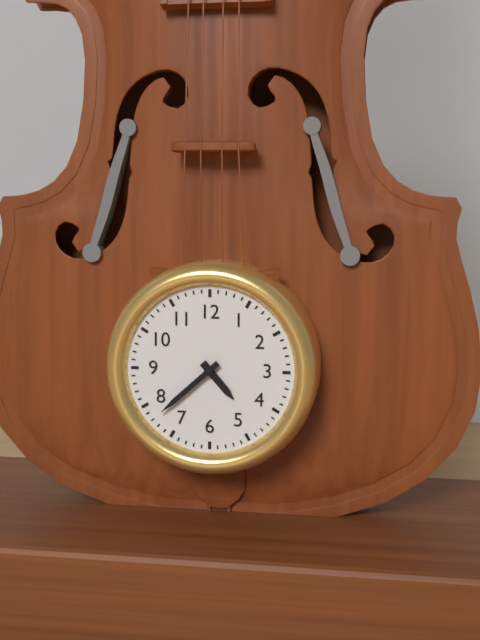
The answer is h=4 m=38
